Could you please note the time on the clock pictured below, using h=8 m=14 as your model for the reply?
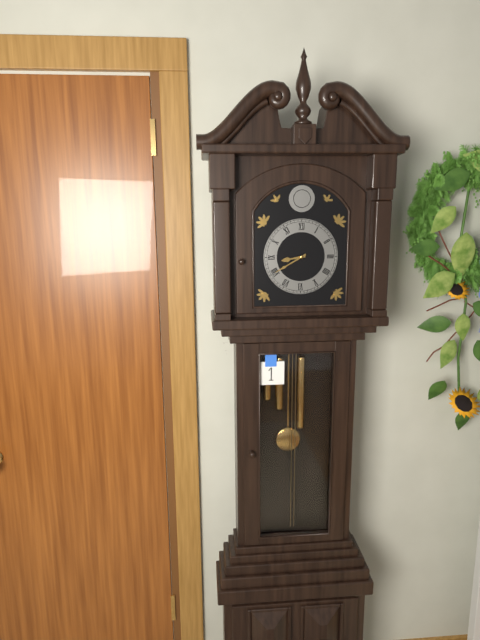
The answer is h=8 m=40
